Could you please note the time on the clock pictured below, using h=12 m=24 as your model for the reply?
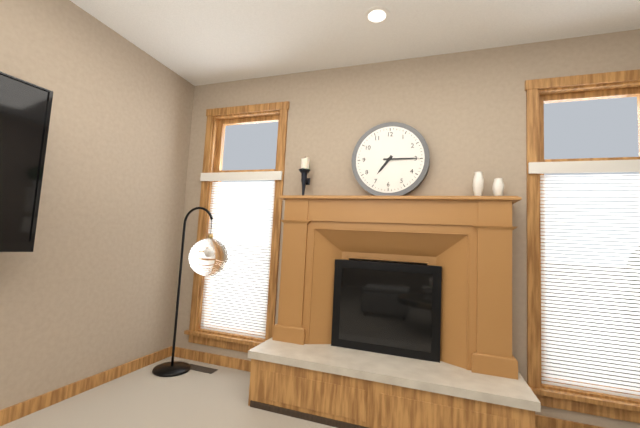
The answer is h=7 m=15
